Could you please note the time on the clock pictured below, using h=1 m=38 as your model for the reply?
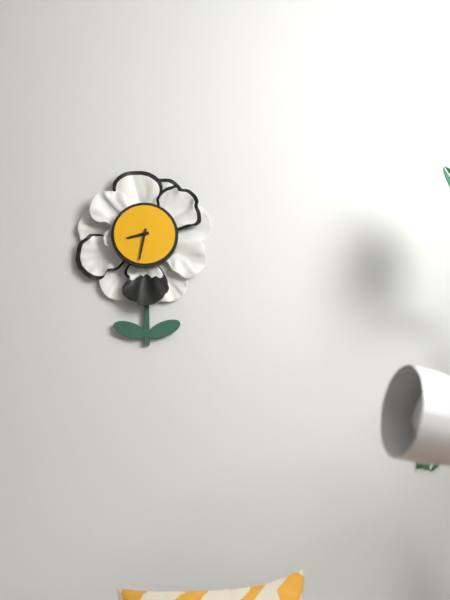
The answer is h=8 m=32
